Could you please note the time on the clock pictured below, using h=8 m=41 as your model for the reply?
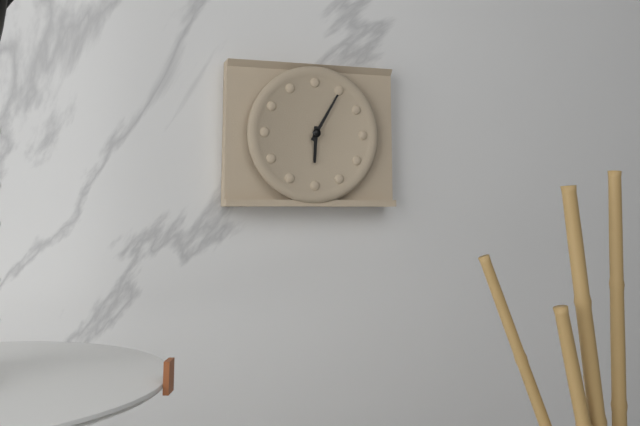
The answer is h=6 m=5
